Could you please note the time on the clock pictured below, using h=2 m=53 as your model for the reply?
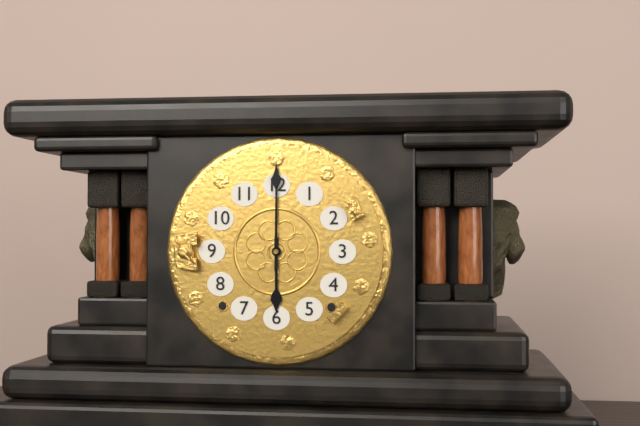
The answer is h=6 m=0
